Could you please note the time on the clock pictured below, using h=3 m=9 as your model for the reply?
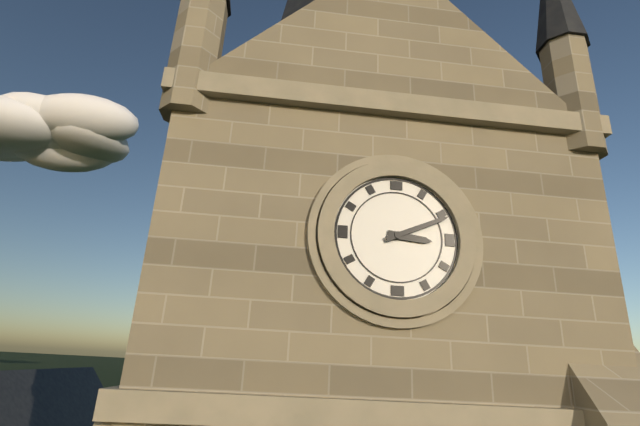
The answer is h=3 m=11
